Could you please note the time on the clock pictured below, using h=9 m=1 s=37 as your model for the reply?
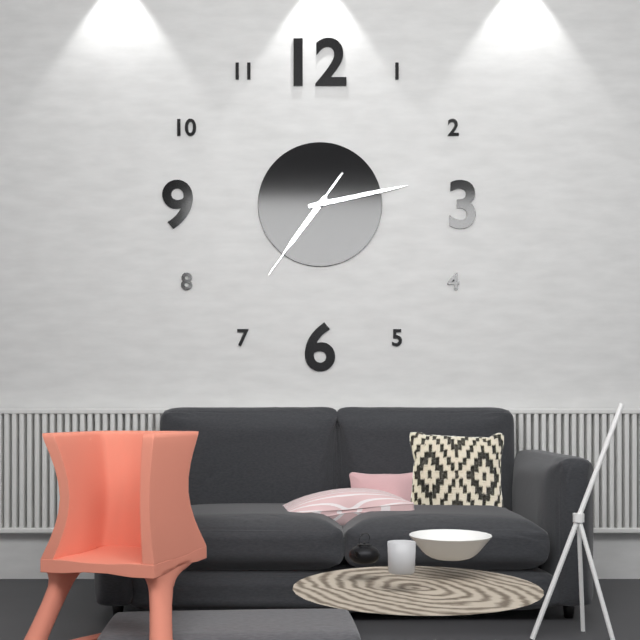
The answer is h=7 m=13 s=36
